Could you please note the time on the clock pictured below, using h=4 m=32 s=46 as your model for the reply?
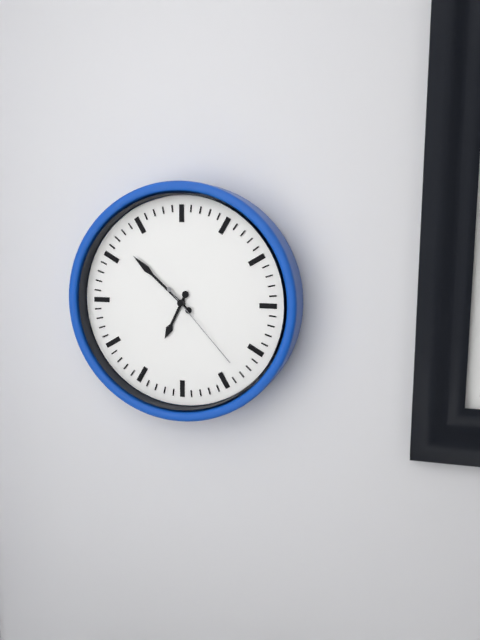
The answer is h=6 m=52 s=23
